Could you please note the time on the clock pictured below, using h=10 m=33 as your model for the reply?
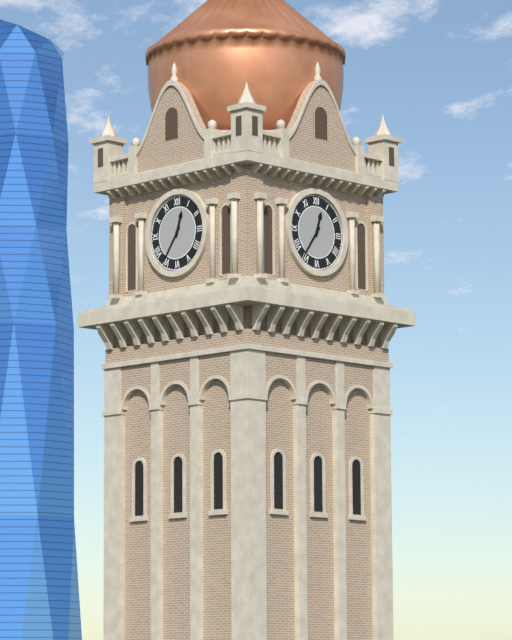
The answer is h=12 m=36
